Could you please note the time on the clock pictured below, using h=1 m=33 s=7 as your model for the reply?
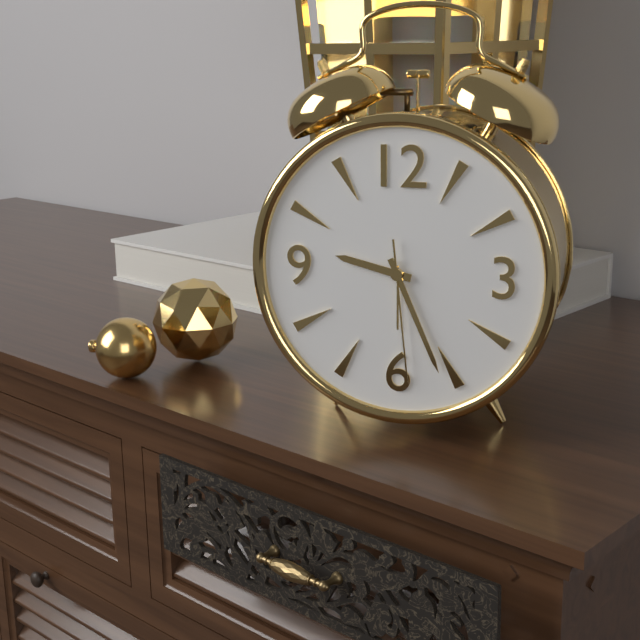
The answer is h=9 m=26 s=29
